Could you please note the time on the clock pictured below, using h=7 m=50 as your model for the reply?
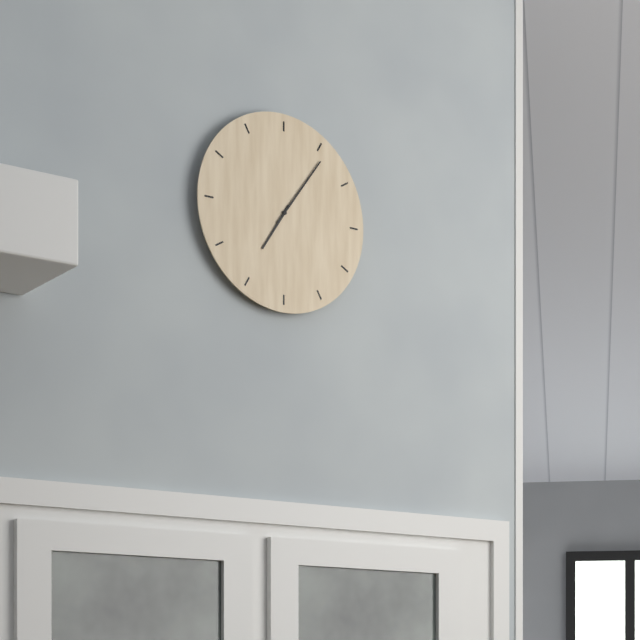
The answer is h=7 m=6
